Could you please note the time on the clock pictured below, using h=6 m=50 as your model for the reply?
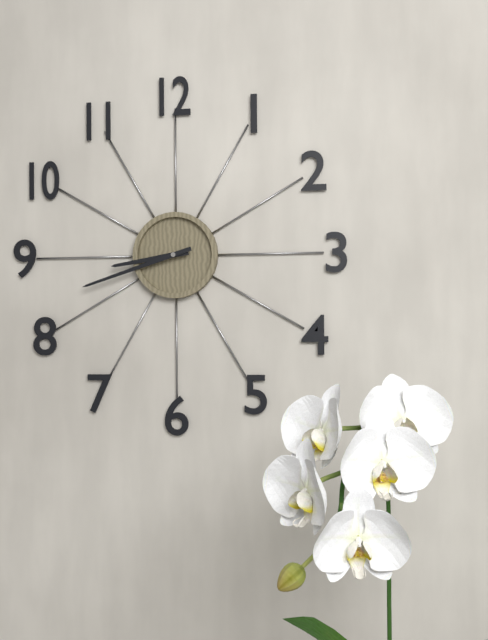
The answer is h=8 m=42
